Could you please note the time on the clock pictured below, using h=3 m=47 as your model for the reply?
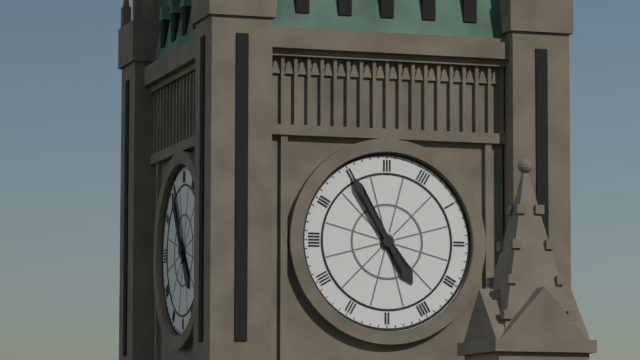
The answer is h=4 m=55
